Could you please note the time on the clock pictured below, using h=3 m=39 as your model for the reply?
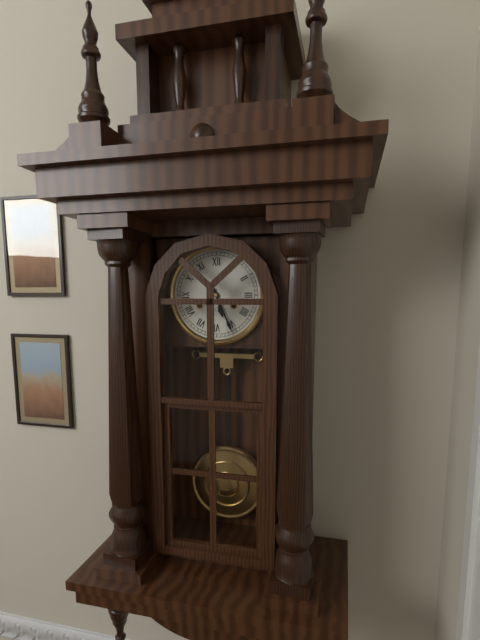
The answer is h=5 m=26
